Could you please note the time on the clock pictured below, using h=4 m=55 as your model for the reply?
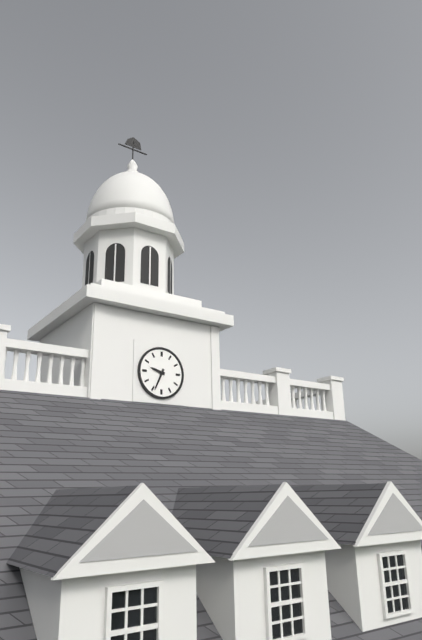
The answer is h=9 m=34
